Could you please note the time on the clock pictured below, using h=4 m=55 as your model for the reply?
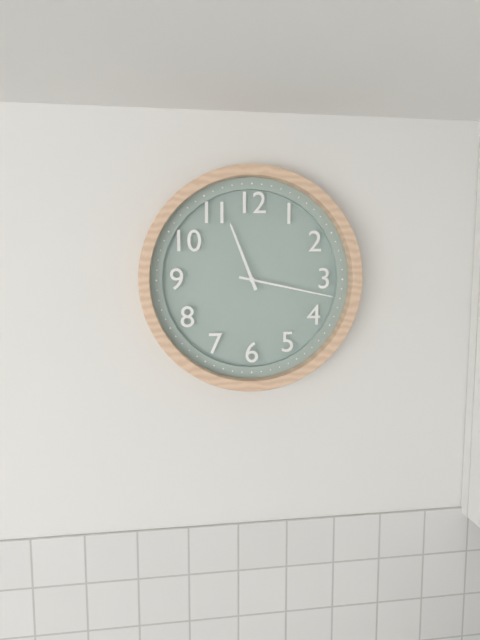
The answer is h=11 m=17
